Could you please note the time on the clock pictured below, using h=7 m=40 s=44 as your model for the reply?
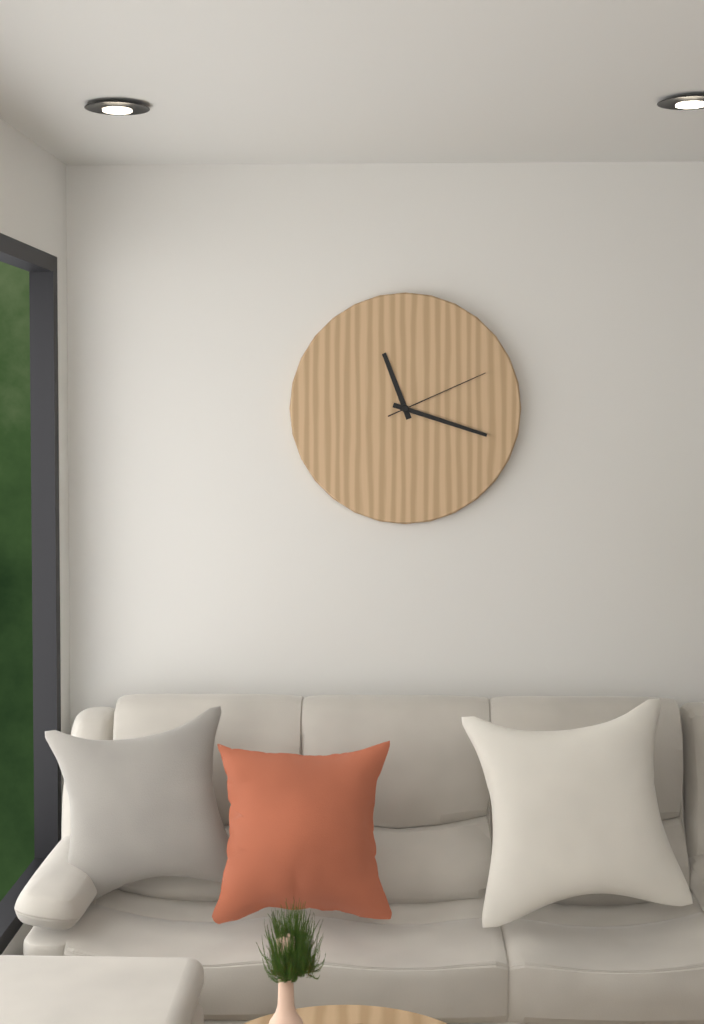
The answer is h=11 m=18 s=11
